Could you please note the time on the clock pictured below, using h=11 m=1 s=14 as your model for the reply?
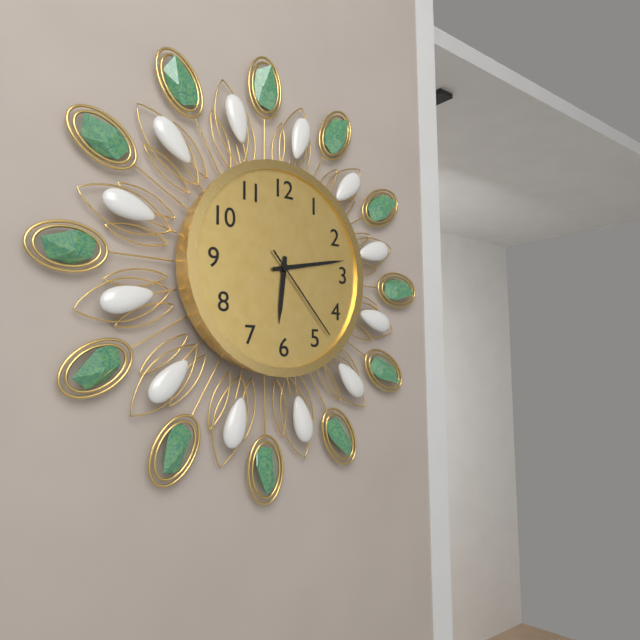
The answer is h=6 m=13 s=23
